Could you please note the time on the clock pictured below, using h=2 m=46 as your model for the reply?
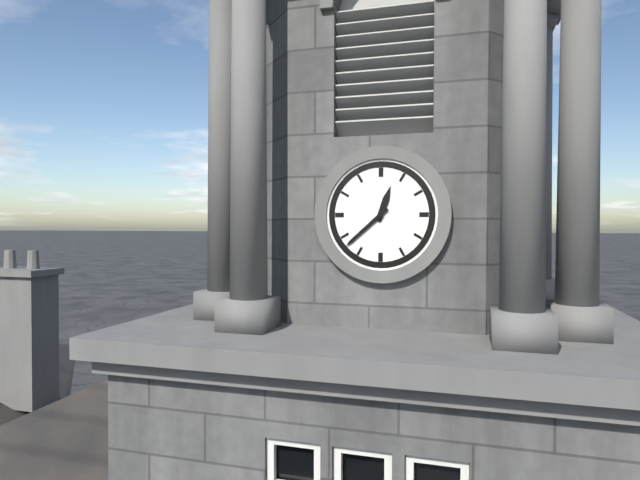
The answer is h=12 m=38
